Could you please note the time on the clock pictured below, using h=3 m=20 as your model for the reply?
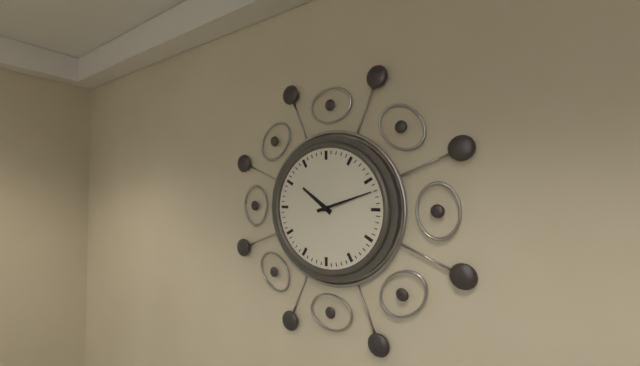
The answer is h=10 m=12
